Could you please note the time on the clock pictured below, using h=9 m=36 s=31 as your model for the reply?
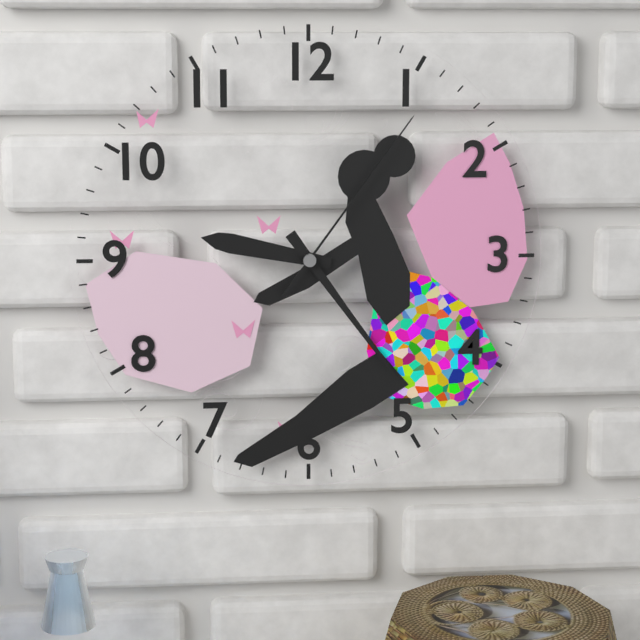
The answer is h=9 m=24 s=6
